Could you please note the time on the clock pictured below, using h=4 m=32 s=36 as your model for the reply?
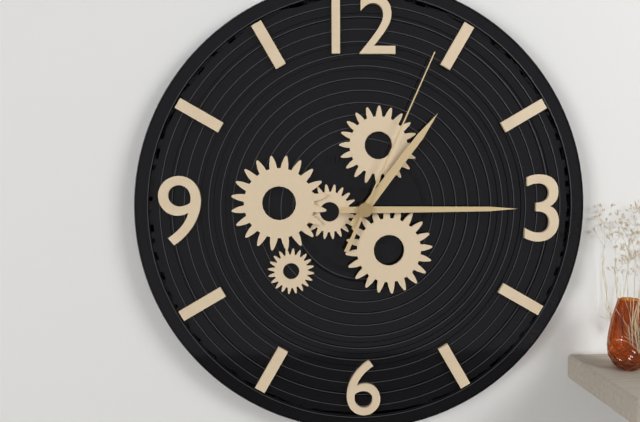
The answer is h=1 m=15 s=4
